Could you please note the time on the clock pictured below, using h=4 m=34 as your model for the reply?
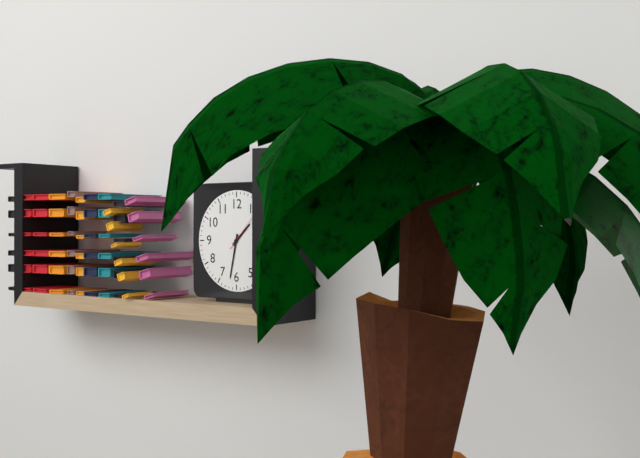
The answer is h=1 m=32
